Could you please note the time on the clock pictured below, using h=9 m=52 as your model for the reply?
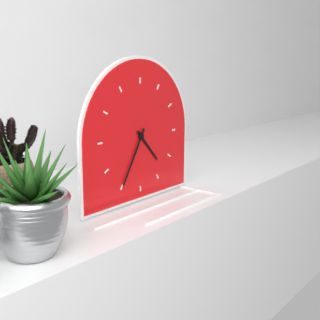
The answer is h=4 m=35
